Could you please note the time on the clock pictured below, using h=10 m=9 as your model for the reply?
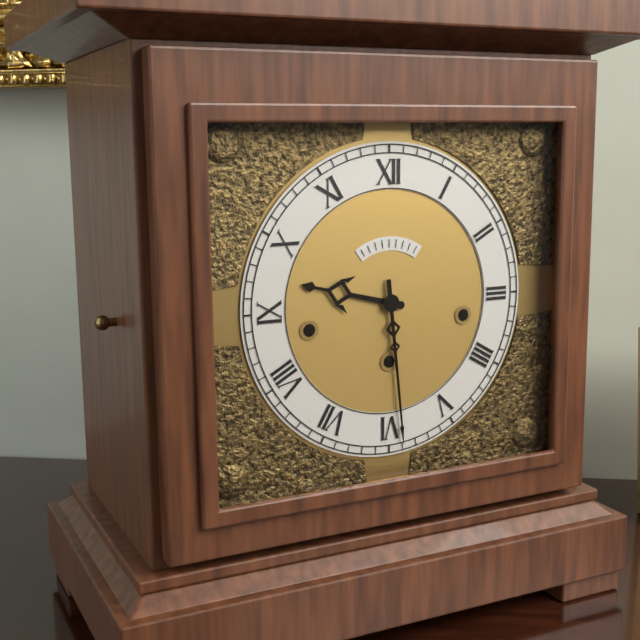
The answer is h=9 m=29
